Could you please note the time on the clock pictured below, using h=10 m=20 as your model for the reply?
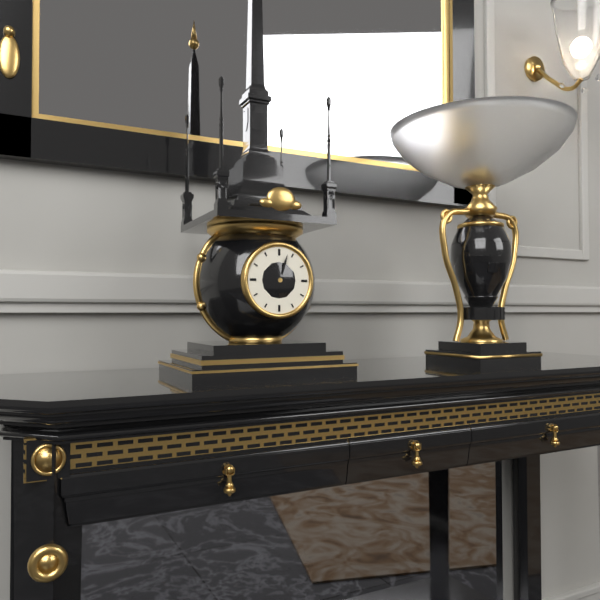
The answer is h=11 m=3
